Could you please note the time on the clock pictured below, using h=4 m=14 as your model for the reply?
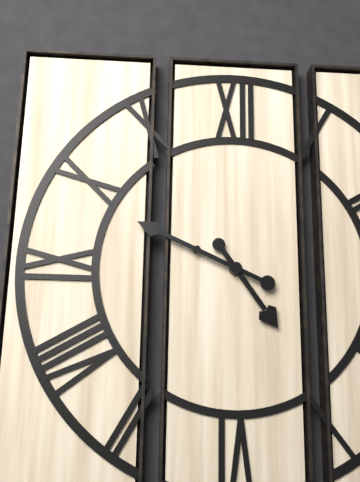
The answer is h=4 m=49
